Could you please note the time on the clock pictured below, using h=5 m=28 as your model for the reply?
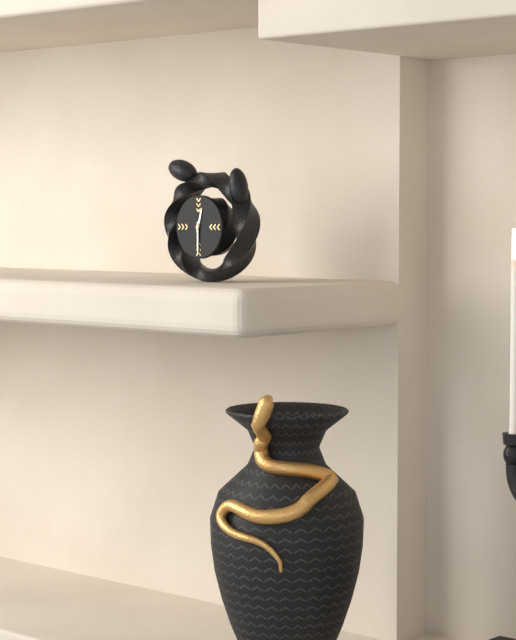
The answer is h=12 m=30
